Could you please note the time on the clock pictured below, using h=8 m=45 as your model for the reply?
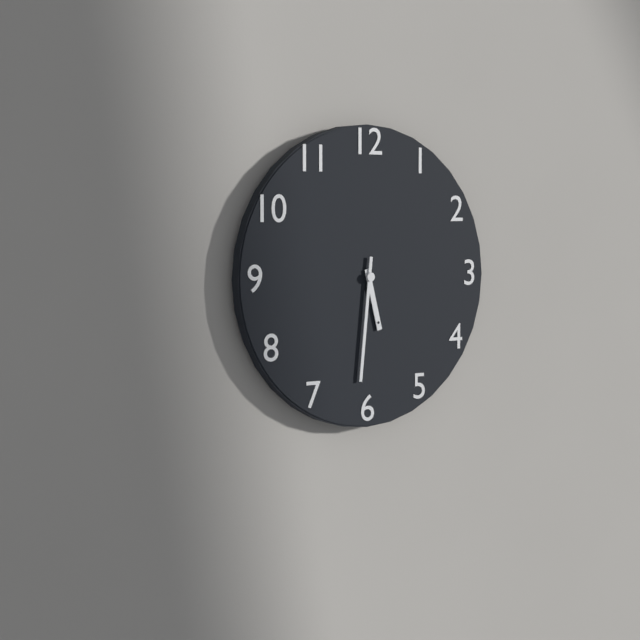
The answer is h=5 m=31
